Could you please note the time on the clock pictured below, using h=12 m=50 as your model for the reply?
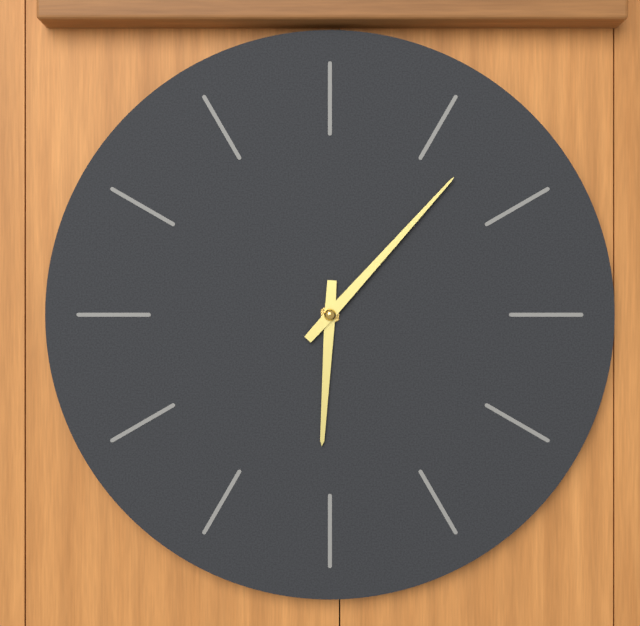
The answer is h=6 m=7
